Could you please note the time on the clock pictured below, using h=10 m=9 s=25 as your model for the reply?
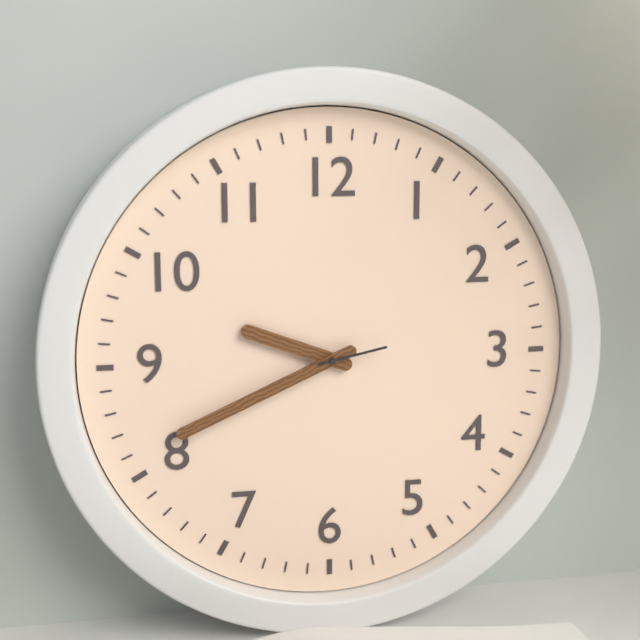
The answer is h=9 m=41 s=13
